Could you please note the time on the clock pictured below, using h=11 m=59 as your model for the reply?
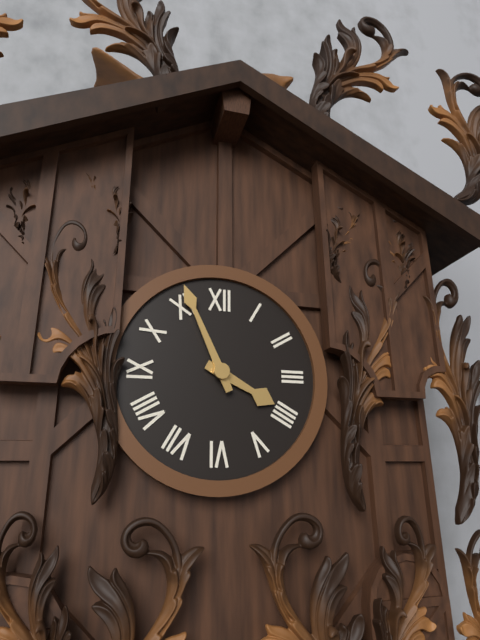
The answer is h=3 m=56
